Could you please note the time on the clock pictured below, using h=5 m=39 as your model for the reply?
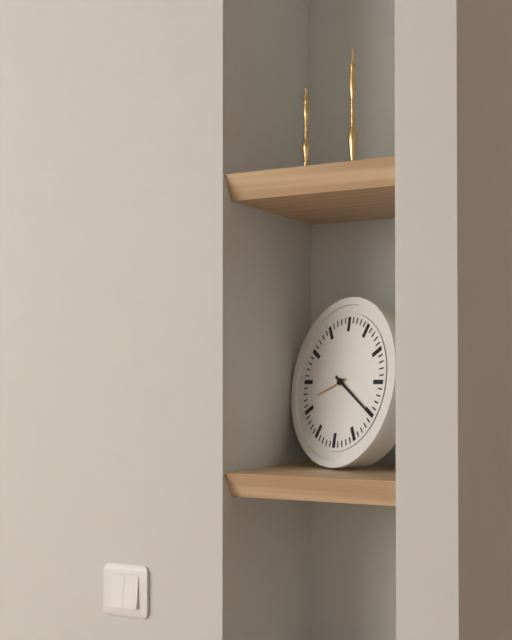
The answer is h=8 m=20
